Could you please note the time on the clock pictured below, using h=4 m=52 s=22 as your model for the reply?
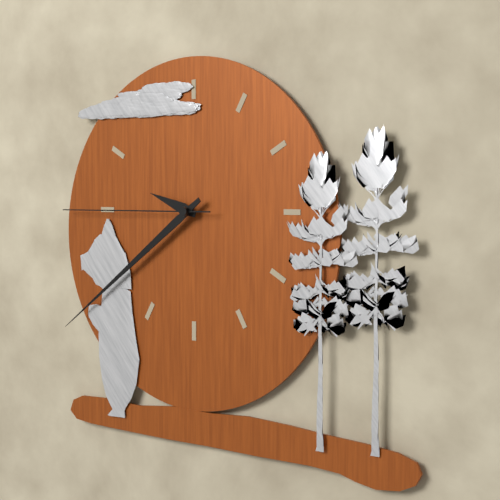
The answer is h=9 m=39 s=45
